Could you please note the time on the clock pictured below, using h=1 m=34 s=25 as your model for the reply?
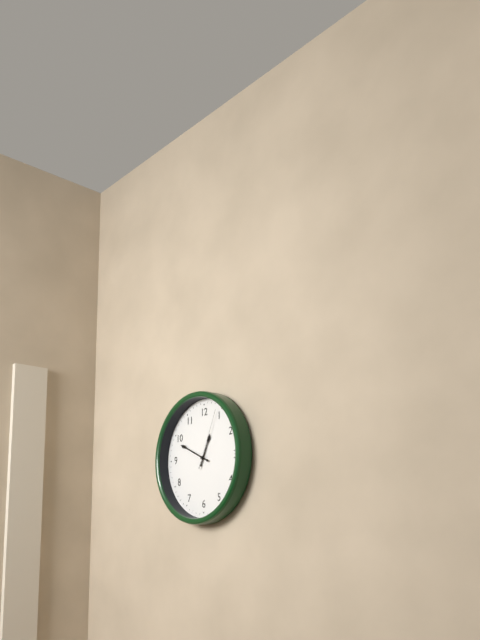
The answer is h=12 m=49 s=4
